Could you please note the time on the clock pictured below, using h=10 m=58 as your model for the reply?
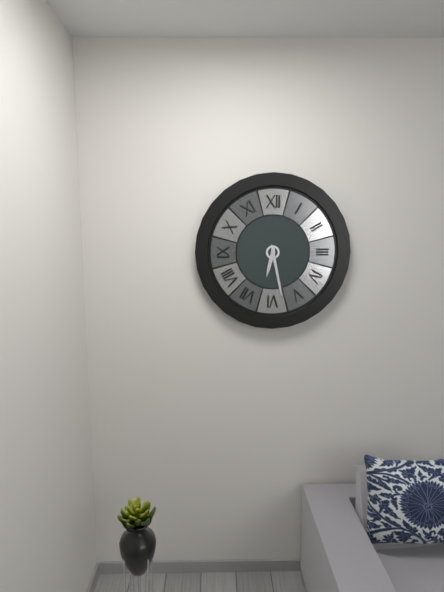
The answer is h=6 m=28
